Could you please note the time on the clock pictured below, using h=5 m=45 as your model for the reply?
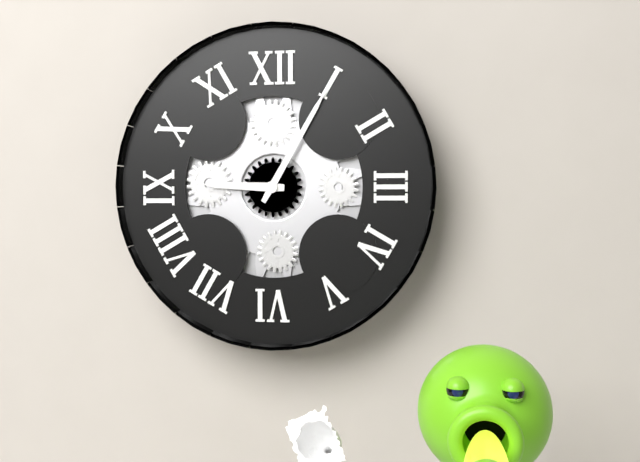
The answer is h=9 m=5
